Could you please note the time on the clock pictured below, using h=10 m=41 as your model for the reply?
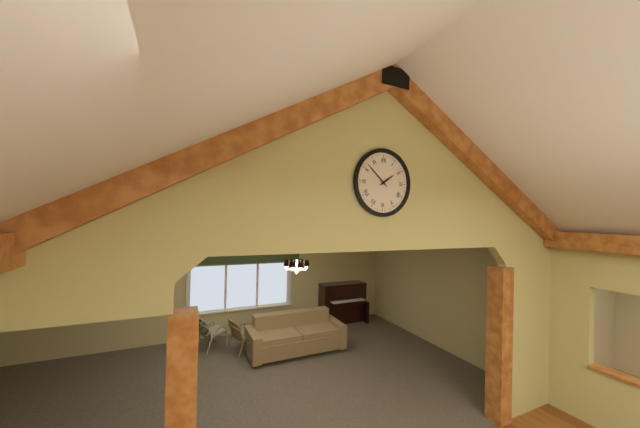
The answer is h=1 m=52
